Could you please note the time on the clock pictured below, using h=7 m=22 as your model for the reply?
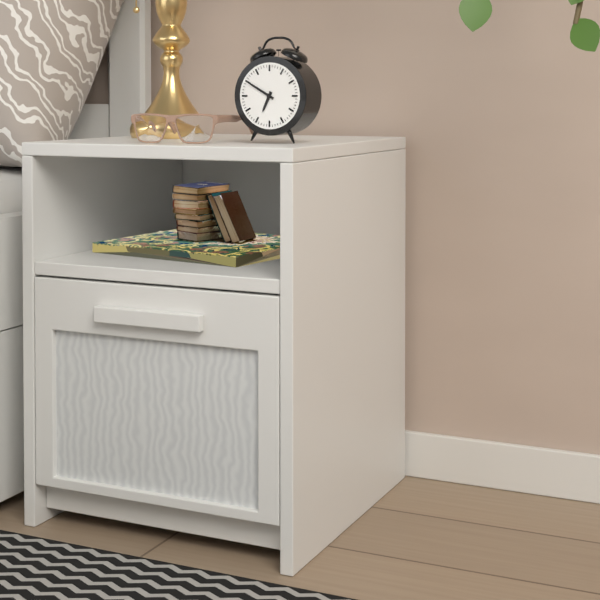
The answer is h=6 m=50
